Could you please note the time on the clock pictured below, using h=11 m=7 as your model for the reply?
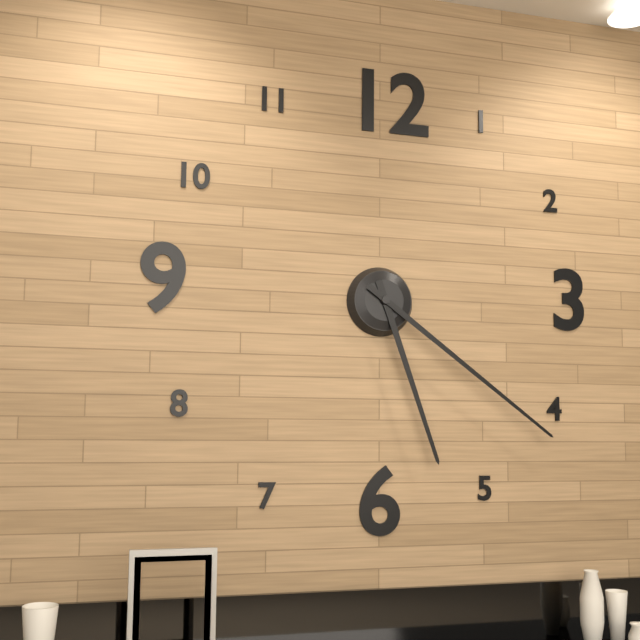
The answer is h=5 m=21
